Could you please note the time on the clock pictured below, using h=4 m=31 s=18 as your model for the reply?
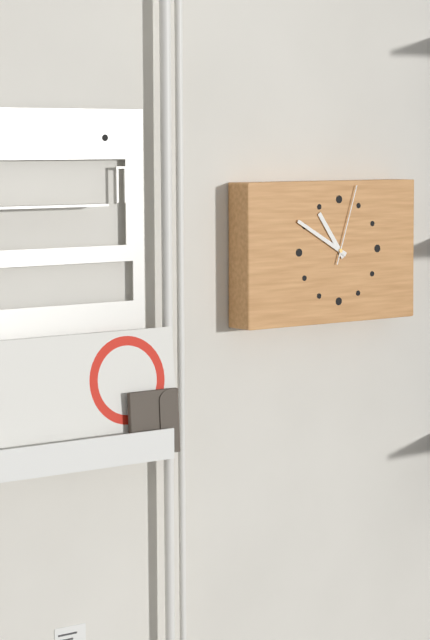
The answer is h=10 m=50 s=3
